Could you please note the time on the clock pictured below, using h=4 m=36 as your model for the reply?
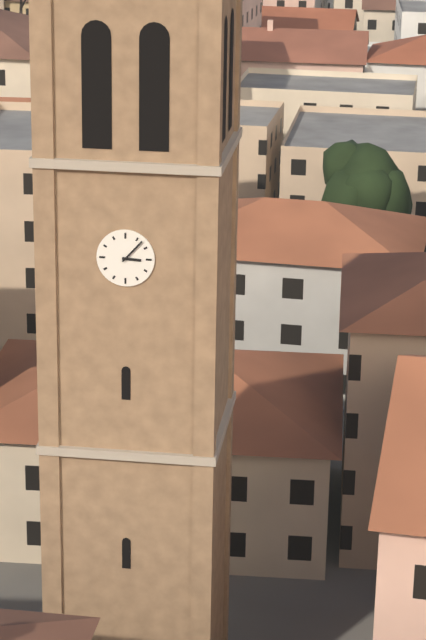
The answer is h=3 m=7
